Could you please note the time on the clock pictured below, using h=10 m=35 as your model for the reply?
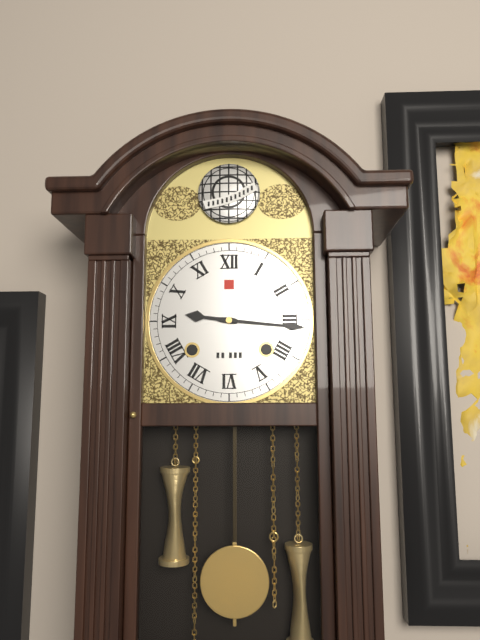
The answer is h=9 m=16
